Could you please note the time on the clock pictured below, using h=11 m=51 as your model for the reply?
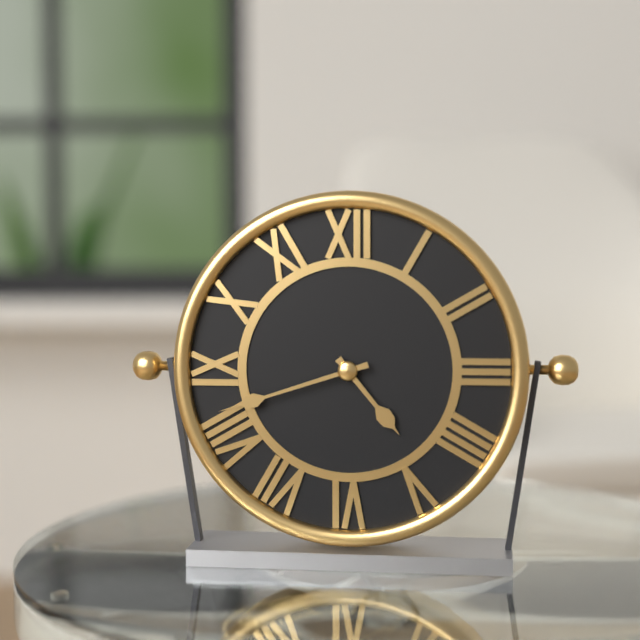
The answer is h=4 m=42
